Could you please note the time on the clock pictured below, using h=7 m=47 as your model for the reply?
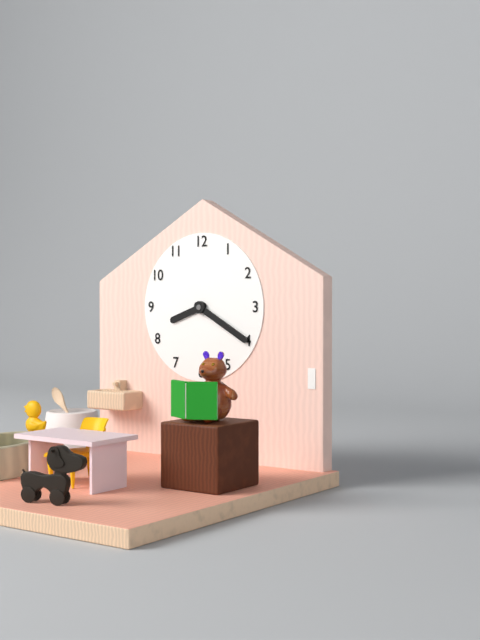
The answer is h=8 m=20
